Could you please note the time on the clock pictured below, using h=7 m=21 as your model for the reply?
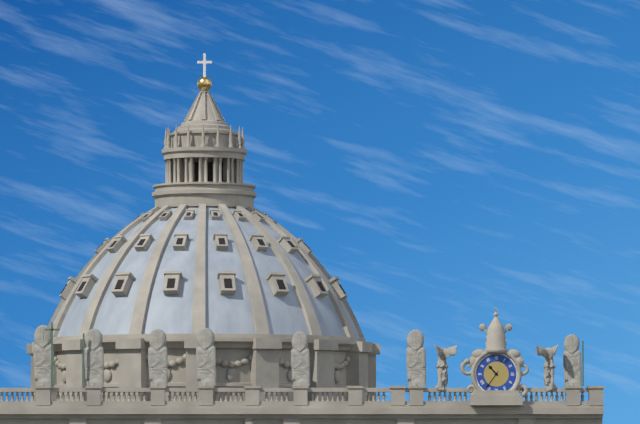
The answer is h=10 m=36
